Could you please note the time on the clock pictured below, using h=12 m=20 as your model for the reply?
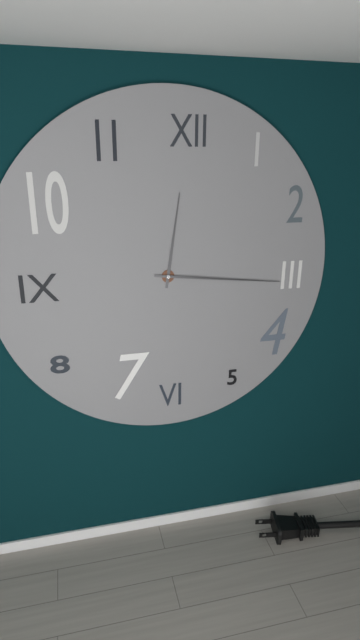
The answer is h=12 m=16
